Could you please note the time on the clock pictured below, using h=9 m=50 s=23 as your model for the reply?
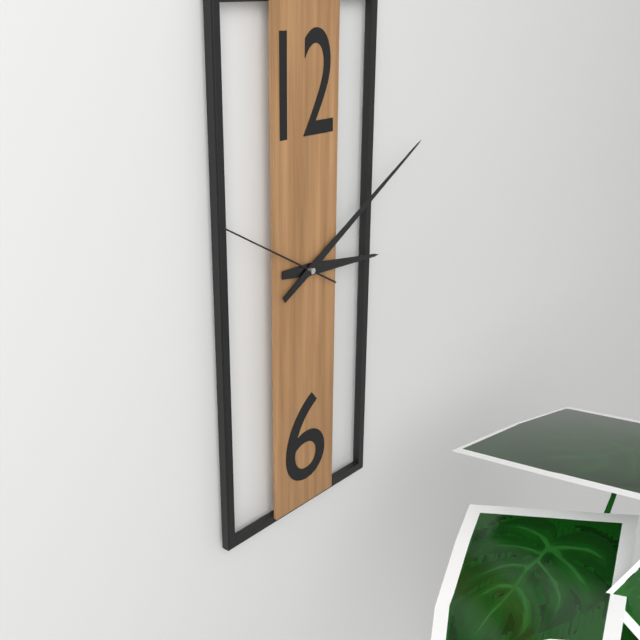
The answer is h=3 m=10 s=50
